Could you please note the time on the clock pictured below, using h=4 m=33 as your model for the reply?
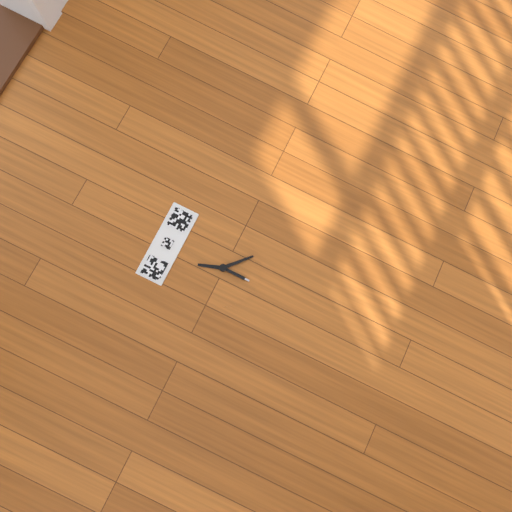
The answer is h=11 m=22
